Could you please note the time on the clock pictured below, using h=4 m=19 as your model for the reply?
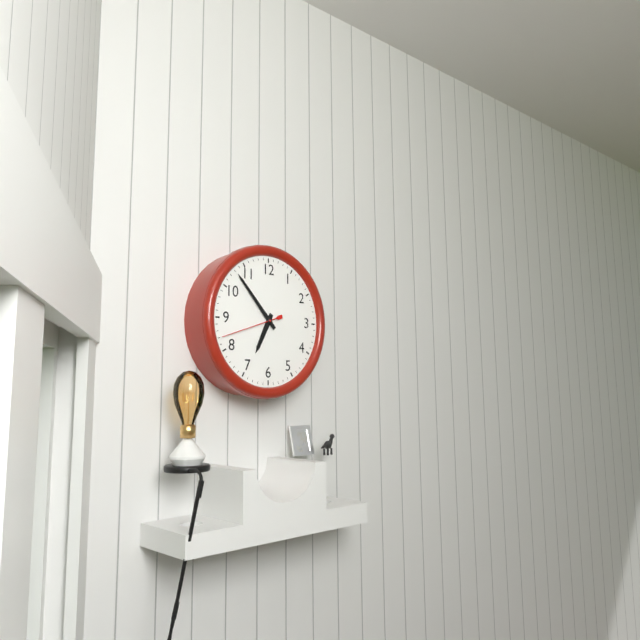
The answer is h=6 m=53
